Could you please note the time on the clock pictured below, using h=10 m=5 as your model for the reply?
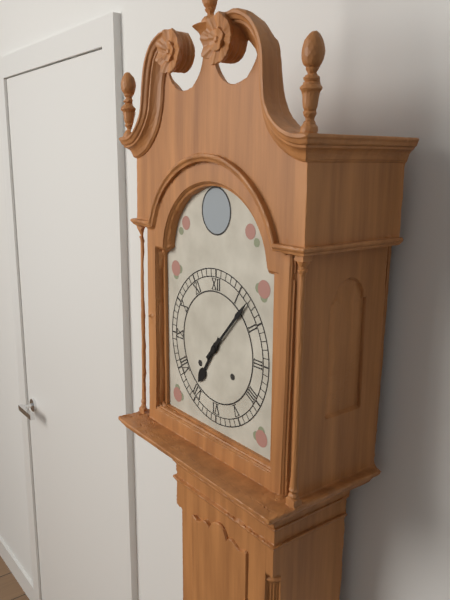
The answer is h=7 m=7
